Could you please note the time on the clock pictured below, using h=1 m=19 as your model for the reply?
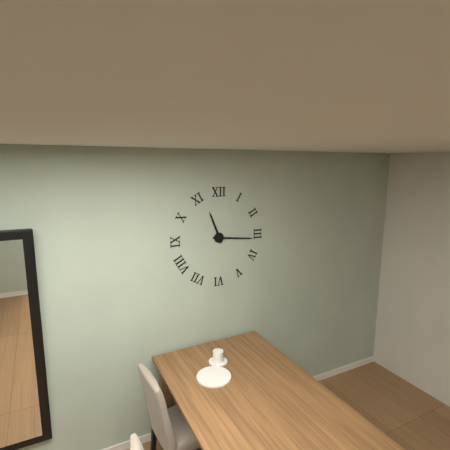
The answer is h=11 m=16
